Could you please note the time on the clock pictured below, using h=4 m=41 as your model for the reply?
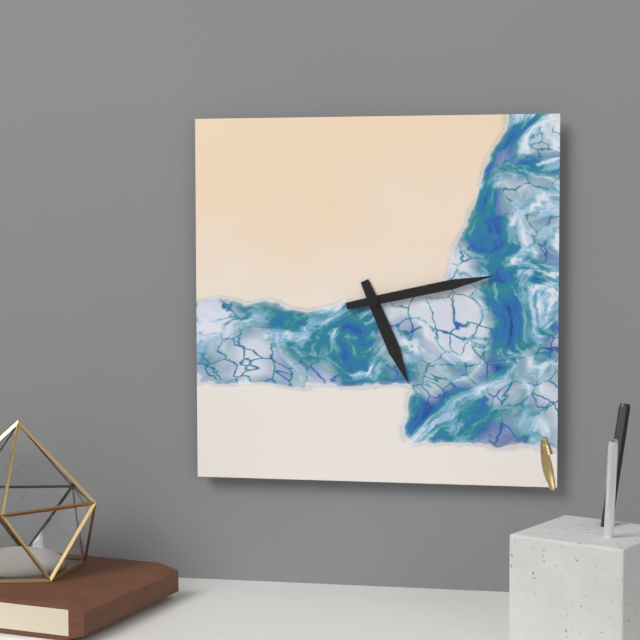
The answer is h=5 m=13
